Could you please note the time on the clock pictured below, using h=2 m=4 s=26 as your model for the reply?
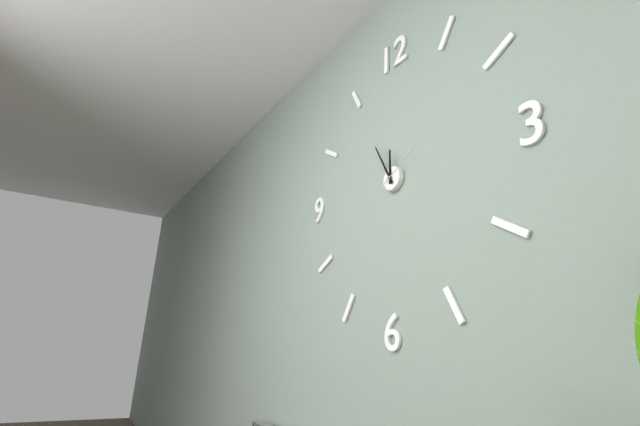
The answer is h=11 m=55 s=10
